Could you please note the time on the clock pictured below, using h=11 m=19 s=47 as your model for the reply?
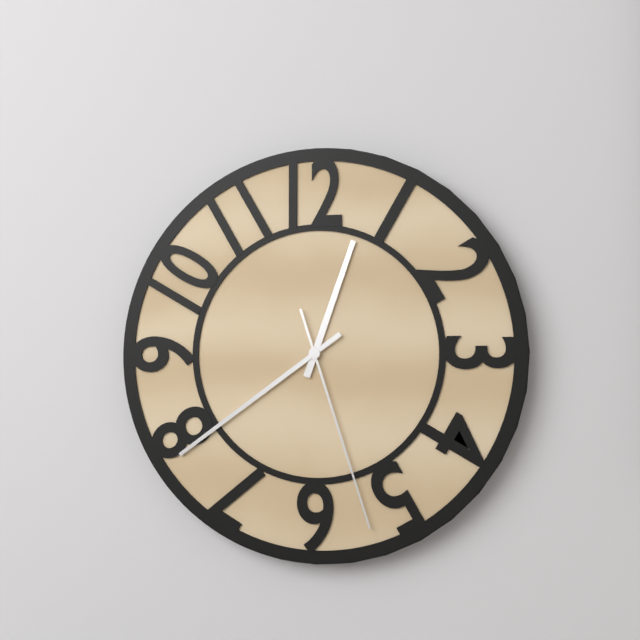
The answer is h=12 m=39 s=27
